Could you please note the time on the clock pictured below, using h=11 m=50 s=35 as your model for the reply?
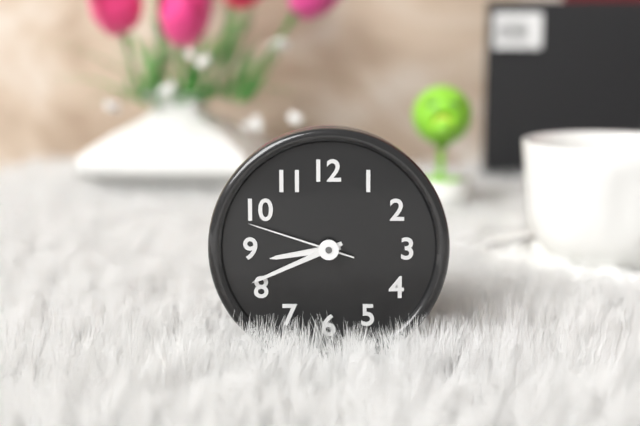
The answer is h=8 m=41 s=48
